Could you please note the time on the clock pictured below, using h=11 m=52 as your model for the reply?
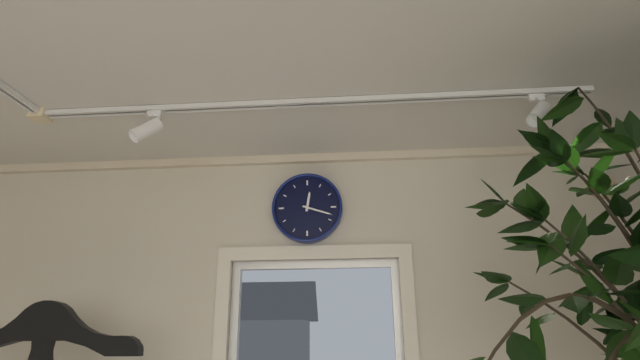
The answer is h=12 m=18
